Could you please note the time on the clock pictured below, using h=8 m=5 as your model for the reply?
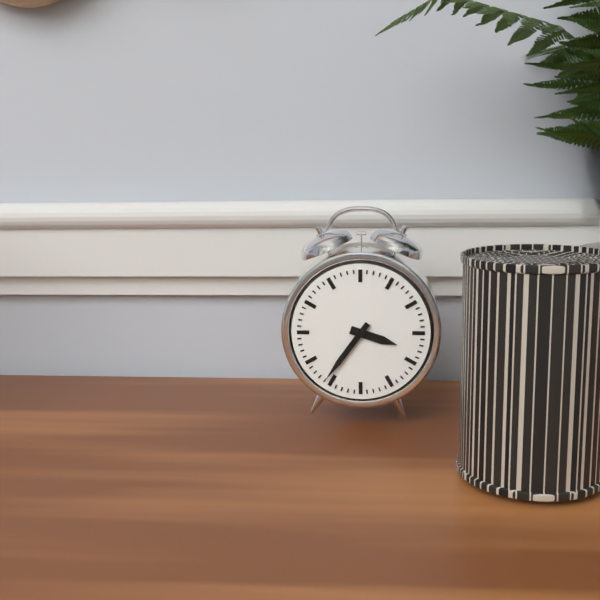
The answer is h=3 m=36
